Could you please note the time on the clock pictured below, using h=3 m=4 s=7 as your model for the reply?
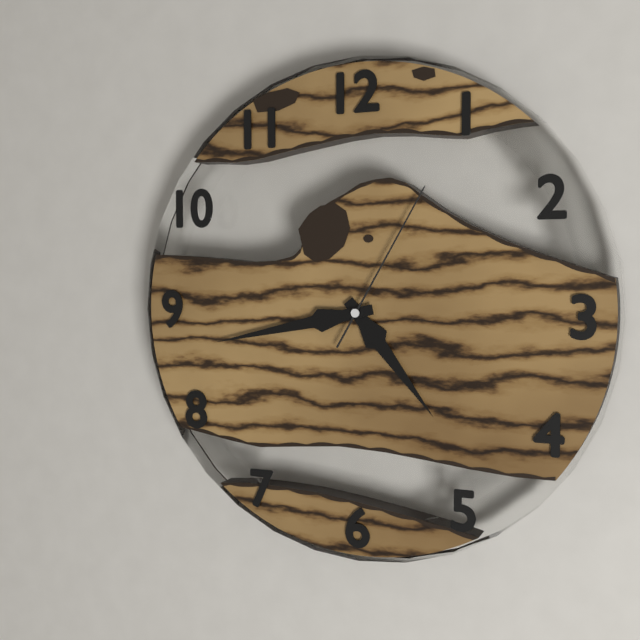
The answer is h=4 m=43 s=5
